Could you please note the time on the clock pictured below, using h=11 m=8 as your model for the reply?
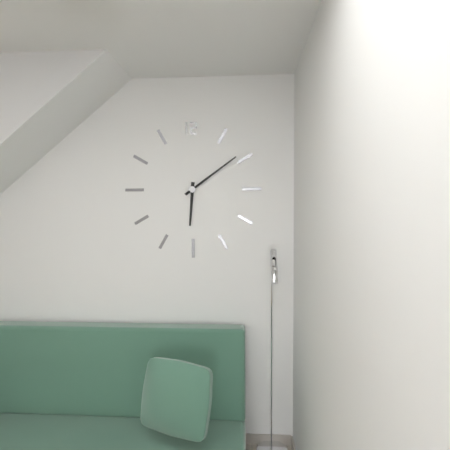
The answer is h=6 m=9
